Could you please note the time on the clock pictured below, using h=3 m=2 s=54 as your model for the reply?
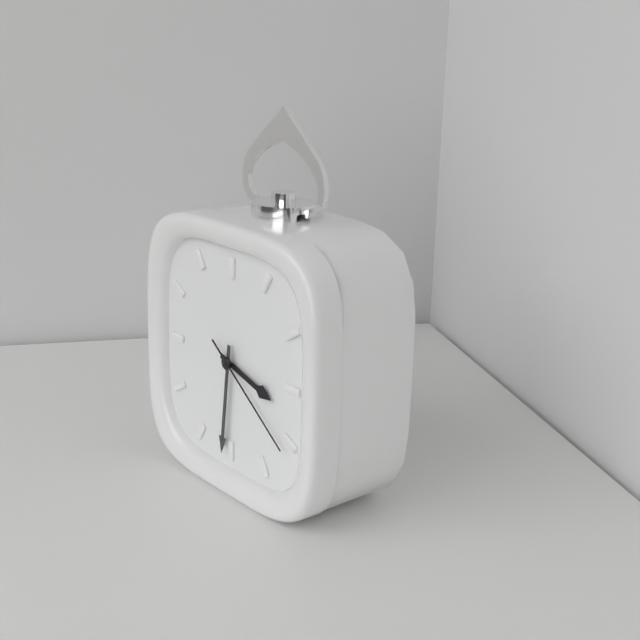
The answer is h=3 m=31 s=21
